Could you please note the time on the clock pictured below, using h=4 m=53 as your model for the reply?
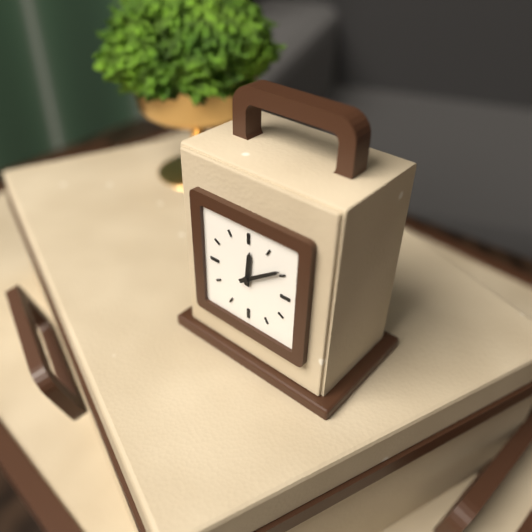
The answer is h=12 m=9
